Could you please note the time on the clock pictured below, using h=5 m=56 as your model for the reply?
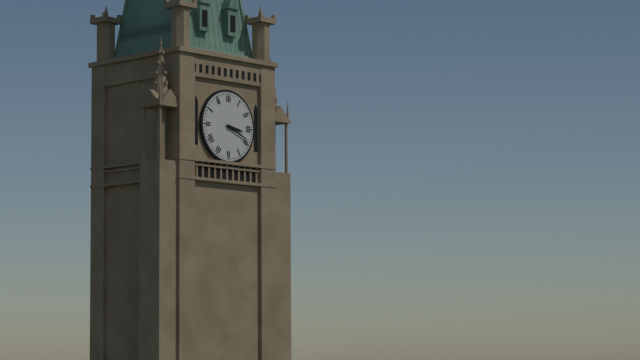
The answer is h=3 m=19
